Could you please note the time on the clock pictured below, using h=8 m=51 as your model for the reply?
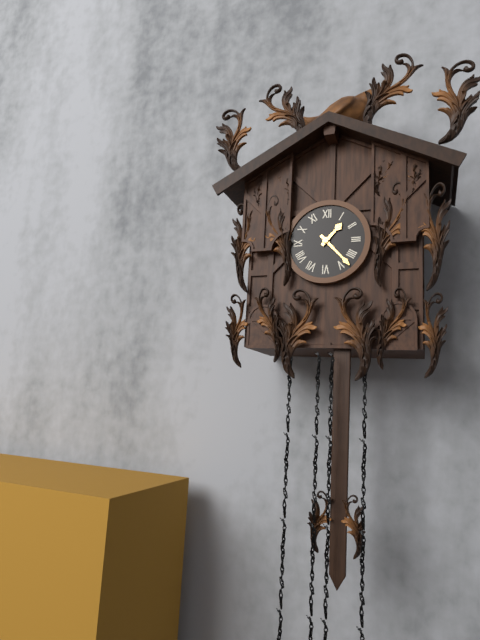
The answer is h=1 m=23
